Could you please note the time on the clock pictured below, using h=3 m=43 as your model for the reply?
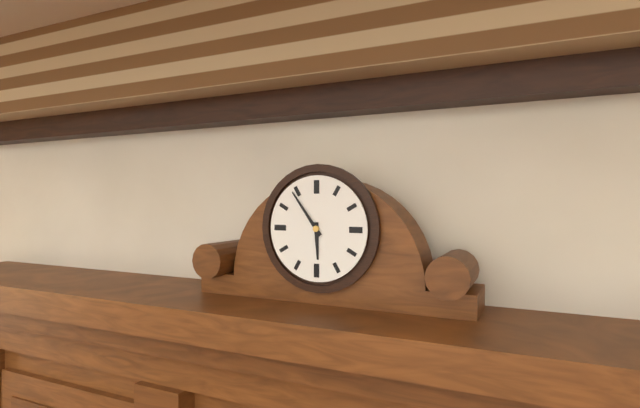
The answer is h=5 m=54
